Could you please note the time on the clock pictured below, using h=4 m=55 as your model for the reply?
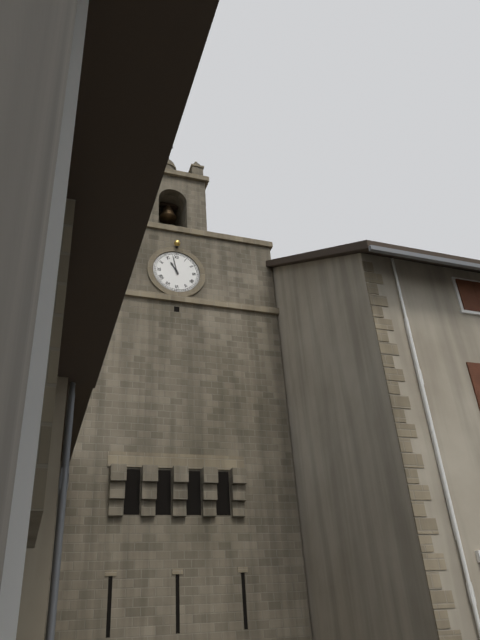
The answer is h=10 m=58
